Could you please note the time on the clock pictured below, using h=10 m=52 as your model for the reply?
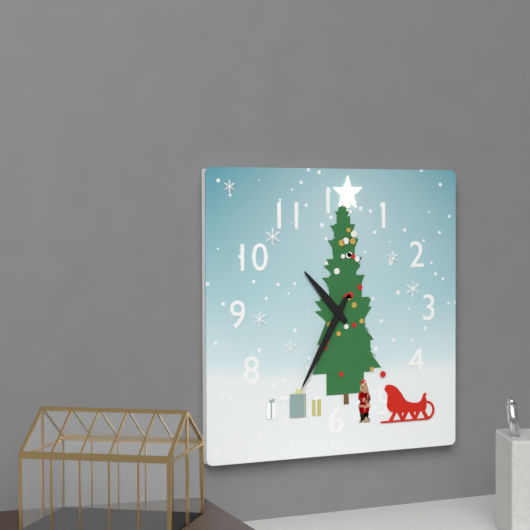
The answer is h=10 m=35
